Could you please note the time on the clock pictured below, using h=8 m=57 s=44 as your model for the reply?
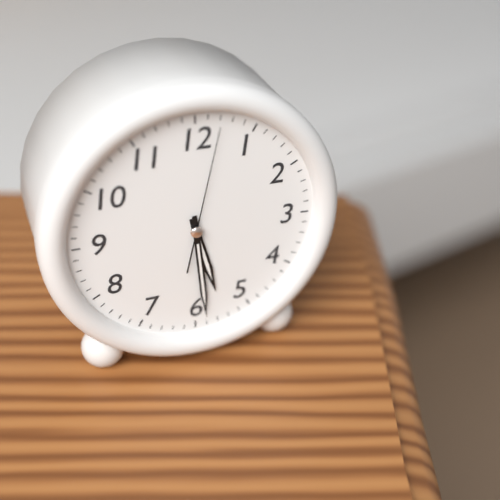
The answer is h=5 m=29 s=2
